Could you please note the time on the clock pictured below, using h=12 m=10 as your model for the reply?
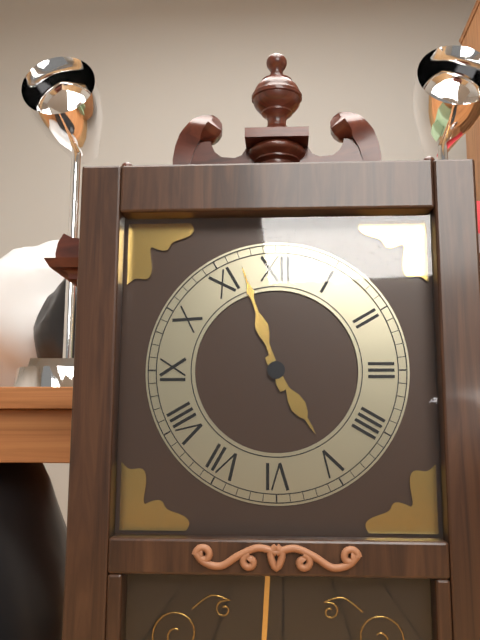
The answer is h=4 m=57
